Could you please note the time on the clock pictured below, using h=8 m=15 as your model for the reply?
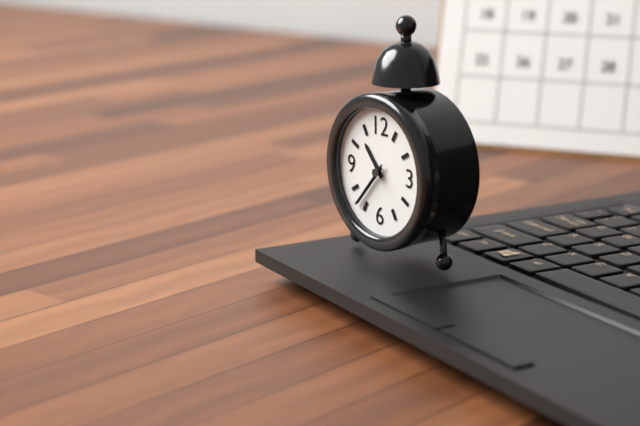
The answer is h=10 m=37
